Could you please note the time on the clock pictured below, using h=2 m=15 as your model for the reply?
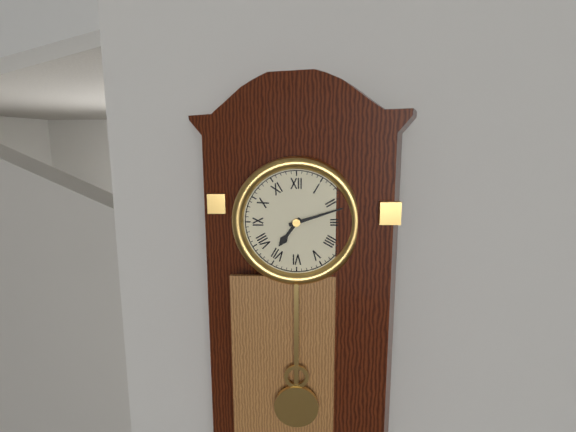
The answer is h=7 m=12
